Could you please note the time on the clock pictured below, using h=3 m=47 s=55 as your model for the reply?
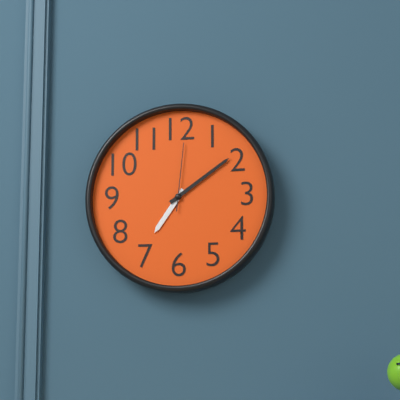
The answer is h=7 m=9 s=1
